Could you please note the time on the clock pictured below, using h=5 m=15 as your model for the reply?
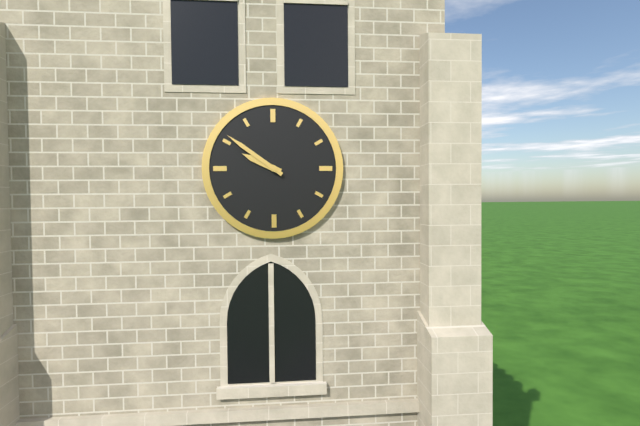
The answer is h=9 m=51
